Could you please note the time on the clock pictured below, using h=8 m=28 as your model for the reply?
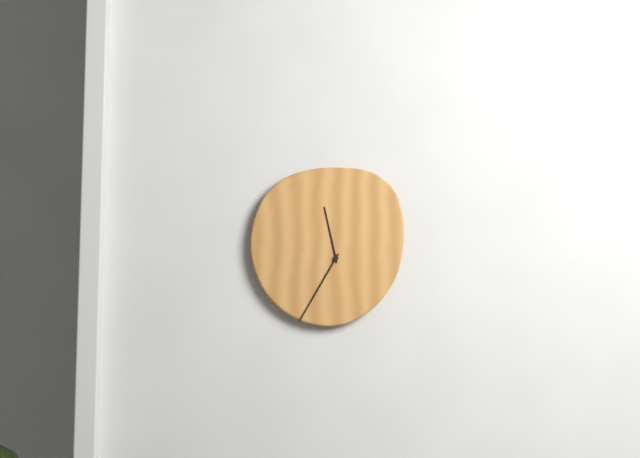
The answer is h=11 m=35
